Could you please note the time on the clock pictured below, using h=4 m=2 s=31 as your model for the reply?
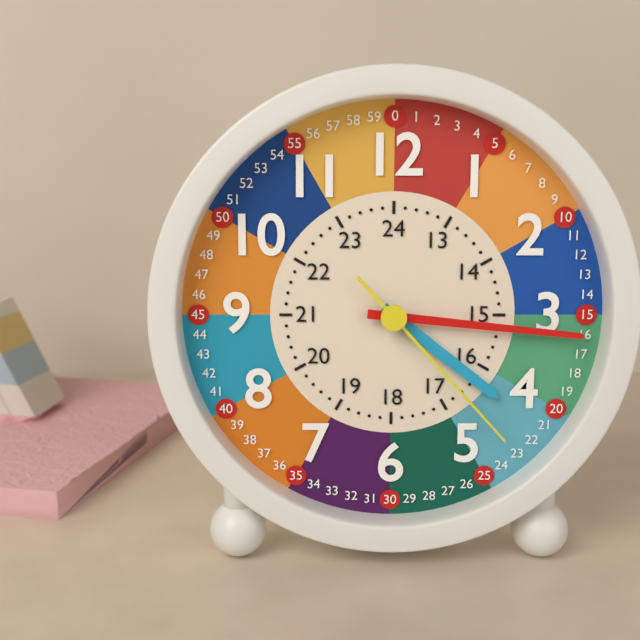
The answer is h=4 m=16 s=23
